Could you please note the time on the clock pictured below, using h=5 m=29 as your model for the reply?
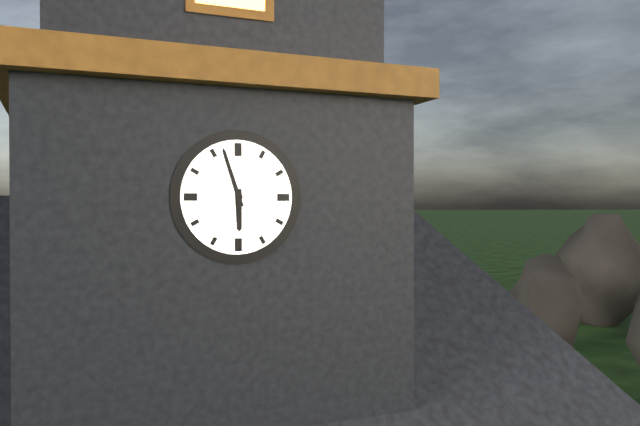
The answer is h=5 m=57
